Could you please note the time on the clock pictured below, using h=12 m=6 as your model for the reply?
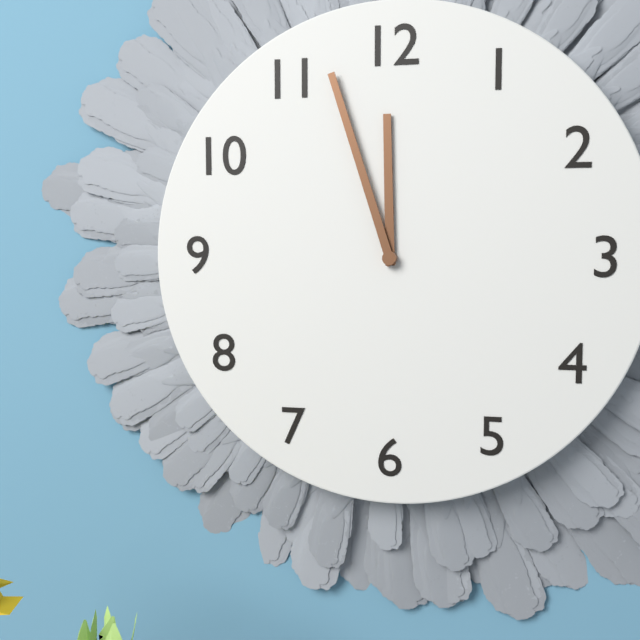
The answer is h=11 m=57
